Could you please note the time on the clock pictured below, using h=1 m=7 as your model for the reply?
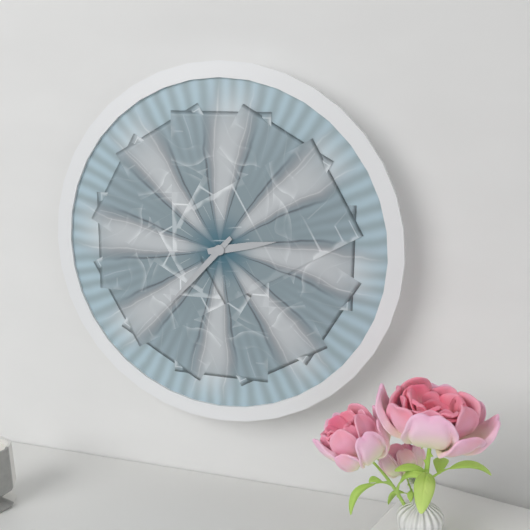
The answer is h=2 m=37
